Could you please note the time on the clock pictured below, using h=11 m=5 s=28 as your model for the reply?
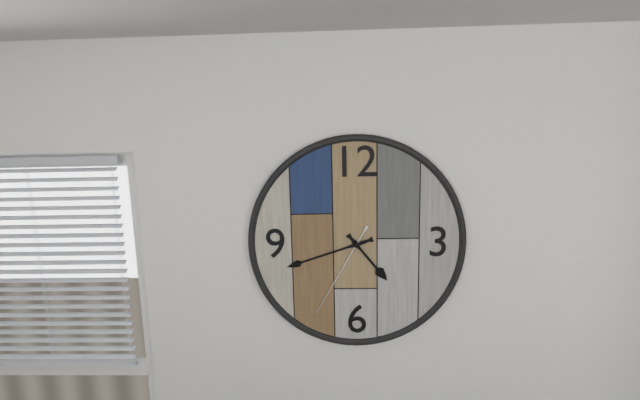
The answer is h=4 m=42 s=35
